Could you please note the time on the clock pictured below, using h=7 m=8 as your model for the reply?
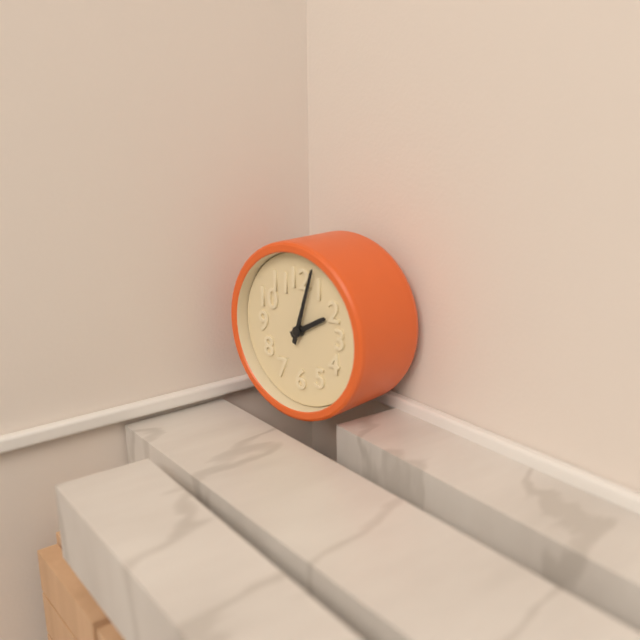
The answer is h=2 m=3
